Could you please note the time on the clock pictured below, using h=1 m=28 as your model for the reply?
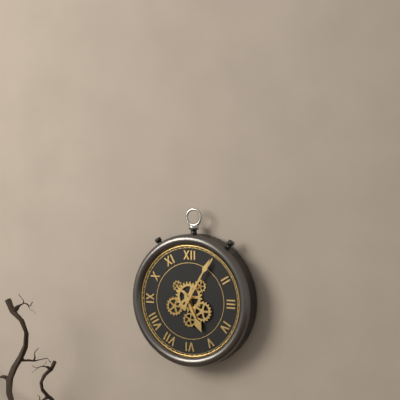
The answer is h=5 m=5
